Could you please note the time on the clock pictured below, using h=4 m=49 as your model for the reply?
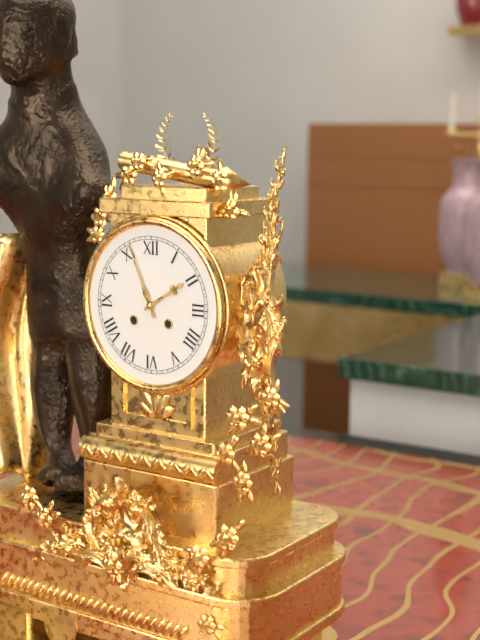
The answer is h=1 m=56
